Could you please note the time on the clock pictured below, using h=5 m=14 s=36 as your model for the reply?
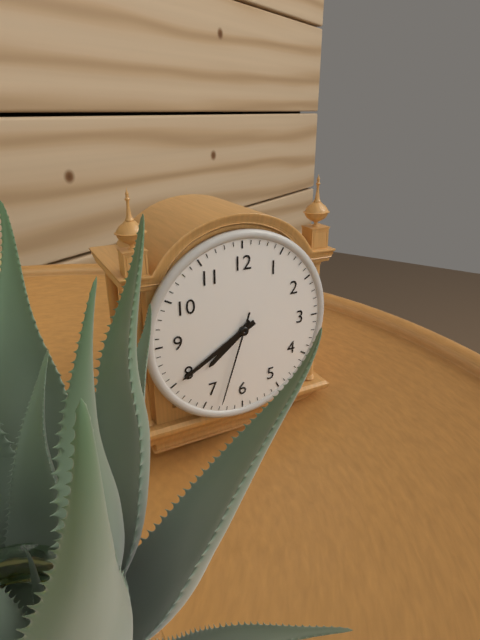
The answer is h=7 m=40 s=33
